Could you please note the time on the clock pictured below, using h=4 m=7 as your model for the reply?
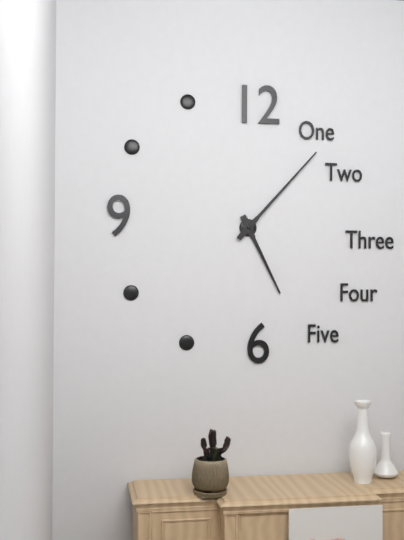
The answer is h=5 m=7
